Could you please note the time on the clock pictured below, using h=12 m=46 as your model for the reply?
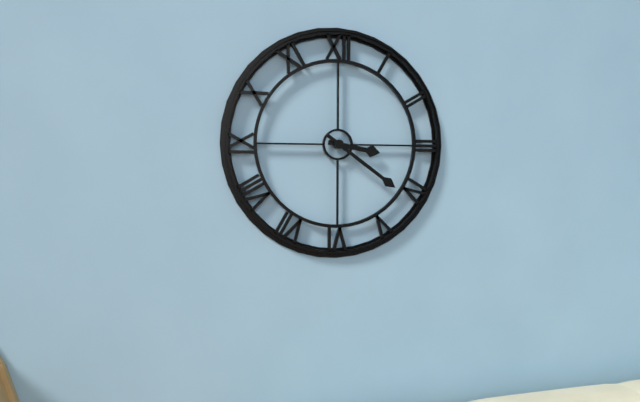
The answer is h=3 m=21
